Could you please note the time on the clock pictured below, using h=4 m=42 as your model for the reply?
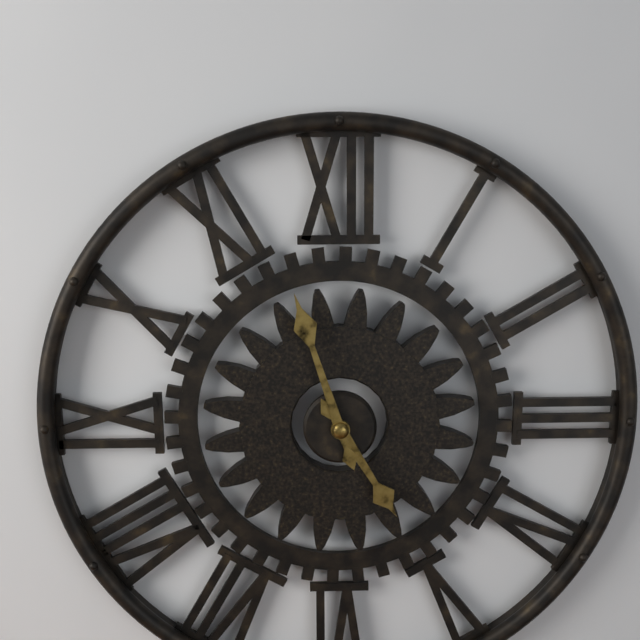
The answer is h=4 m=57
